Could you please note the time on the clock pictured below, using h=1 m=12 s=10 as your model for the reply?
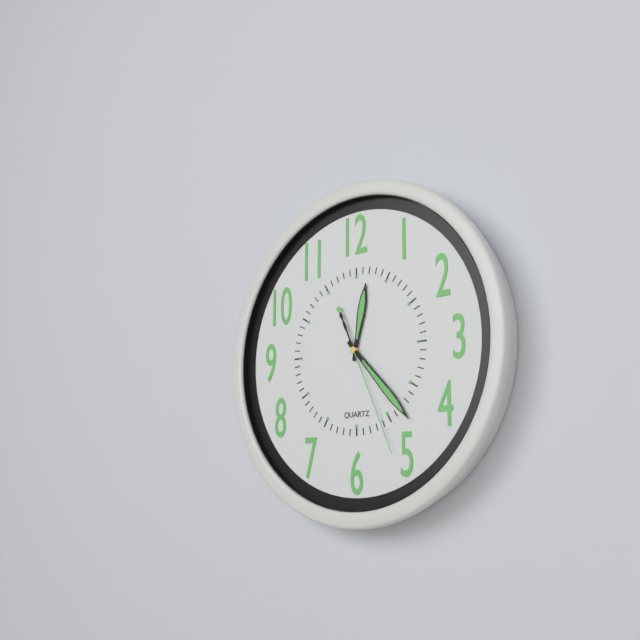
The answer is h=12 m=23 s=26
